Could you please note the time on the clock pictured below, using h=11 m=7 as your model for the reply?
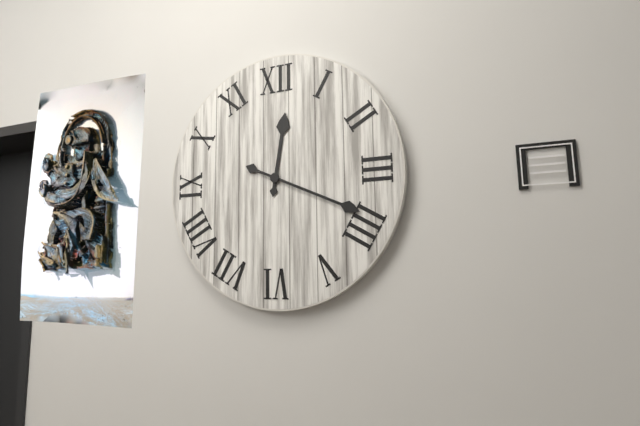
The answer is h=12 m=19
